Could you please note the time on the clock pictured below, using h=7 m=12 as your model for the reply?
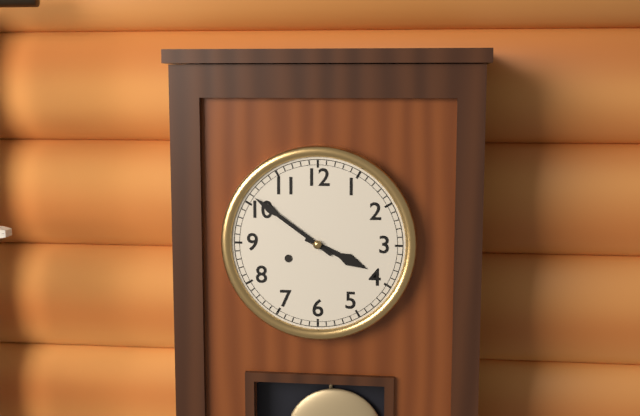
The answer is h=3 m=51
